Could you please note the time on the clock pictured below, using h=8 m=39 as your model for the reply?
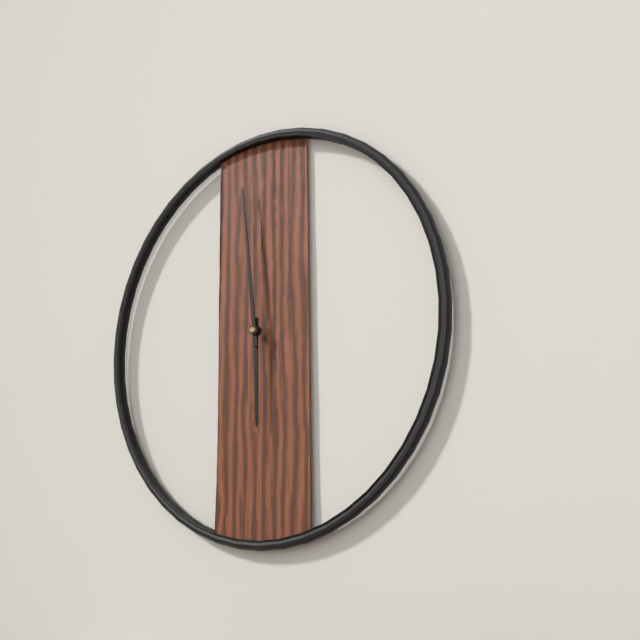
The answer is h=5 m=59
